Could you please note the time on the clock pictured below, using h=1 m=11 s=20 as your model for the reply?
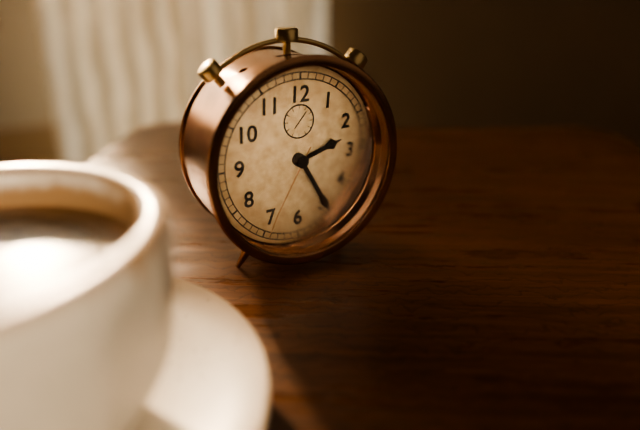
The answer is h=2 m=25 s=35
